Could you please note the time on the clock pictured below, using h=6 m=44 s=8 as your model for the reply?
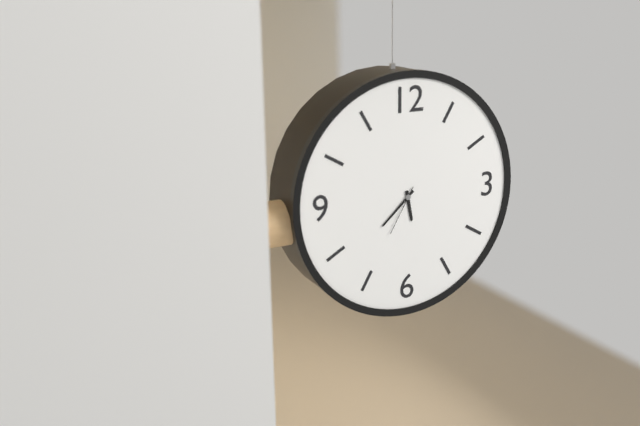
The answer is h=5 m=38 s=35
